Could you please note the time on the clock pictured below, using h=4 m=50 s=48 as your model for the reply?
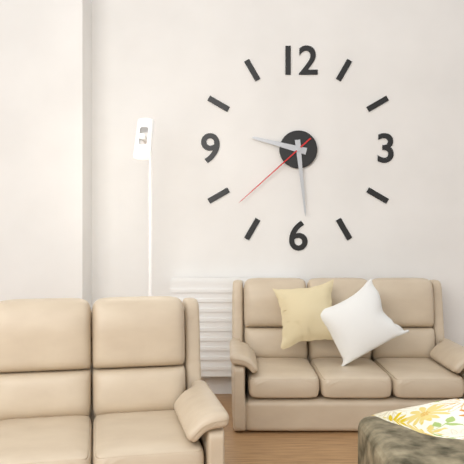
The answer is h=9 m=29 s=38
